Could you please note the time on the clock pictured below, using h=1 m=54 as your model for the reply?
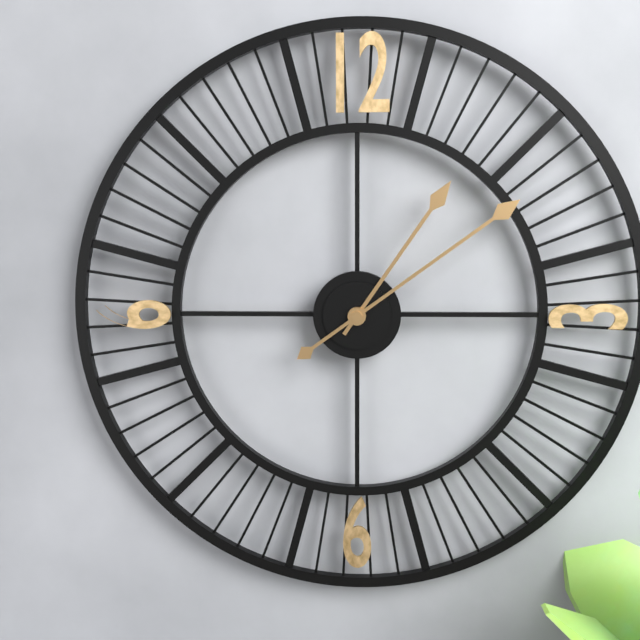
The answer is h=1 m=9
